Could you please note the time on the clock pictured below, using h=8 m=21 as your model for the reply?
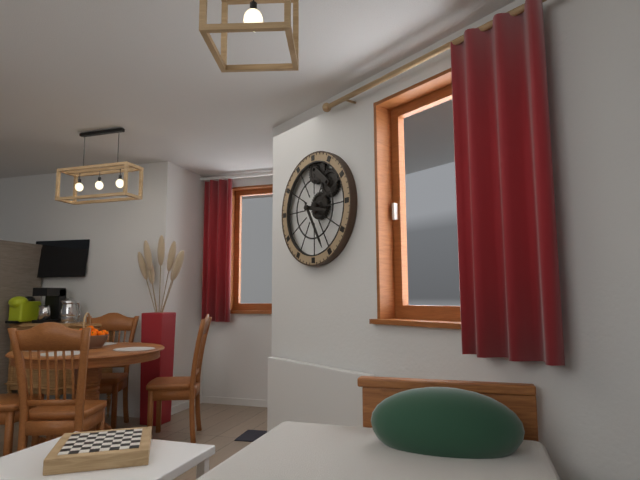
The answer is h=3 m=25
